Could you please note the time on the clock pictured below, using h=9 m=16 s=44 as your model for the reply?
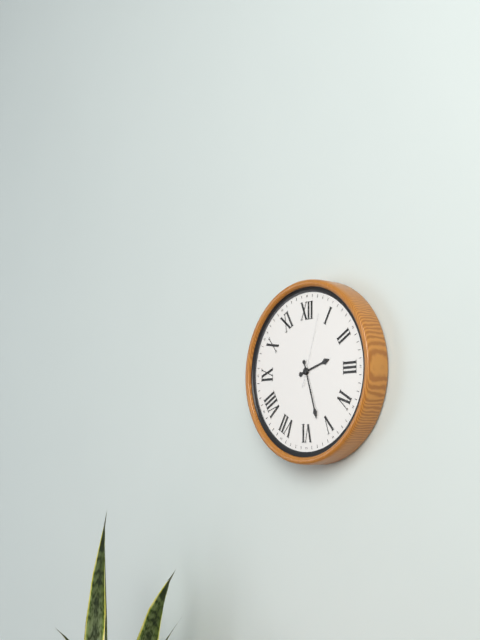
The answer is h=2 m=27 s=3
